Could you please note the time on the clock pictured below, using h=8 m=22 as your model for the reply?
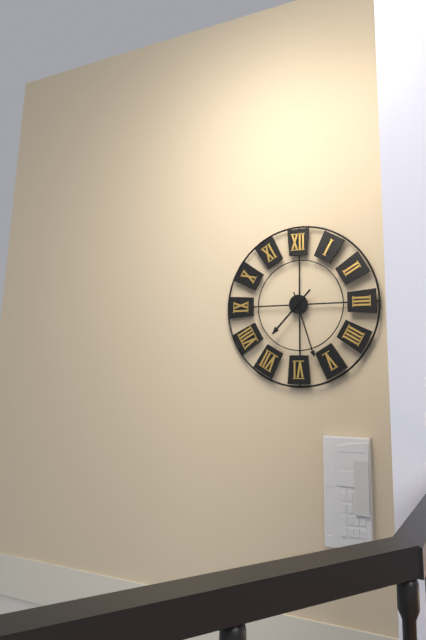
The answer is h=7 m=27
